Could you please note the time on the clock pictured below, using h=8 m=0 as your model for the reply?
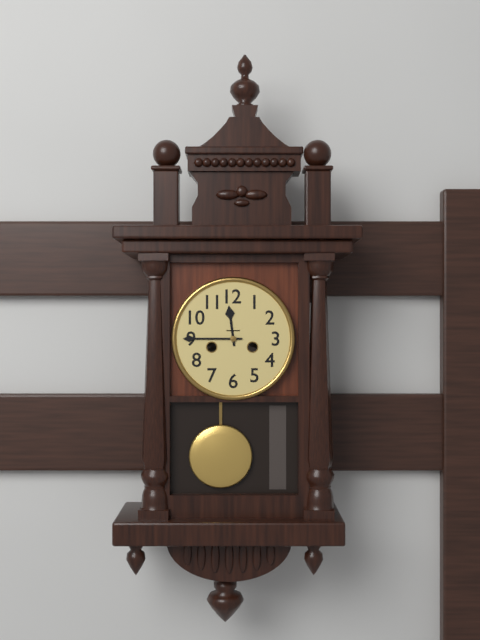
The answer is h=11 m=45
